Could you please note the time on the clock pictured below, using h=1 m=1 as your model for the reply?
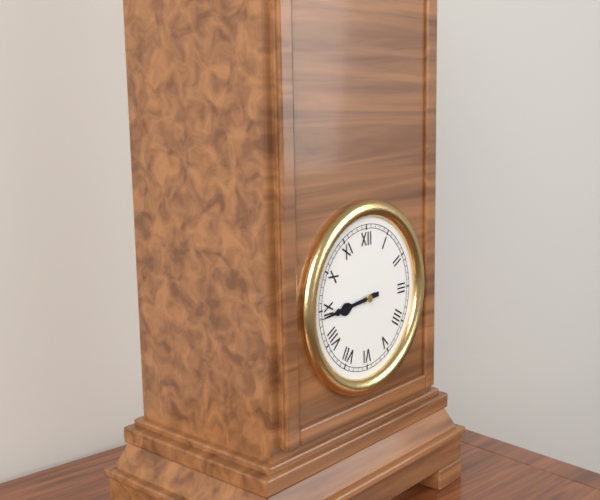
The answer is h=8 m=44
